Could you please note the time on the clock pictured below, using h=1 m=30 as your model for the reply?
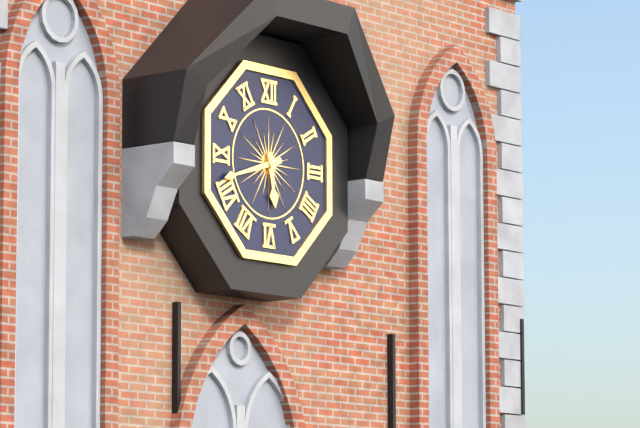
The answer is h=5 m=42
